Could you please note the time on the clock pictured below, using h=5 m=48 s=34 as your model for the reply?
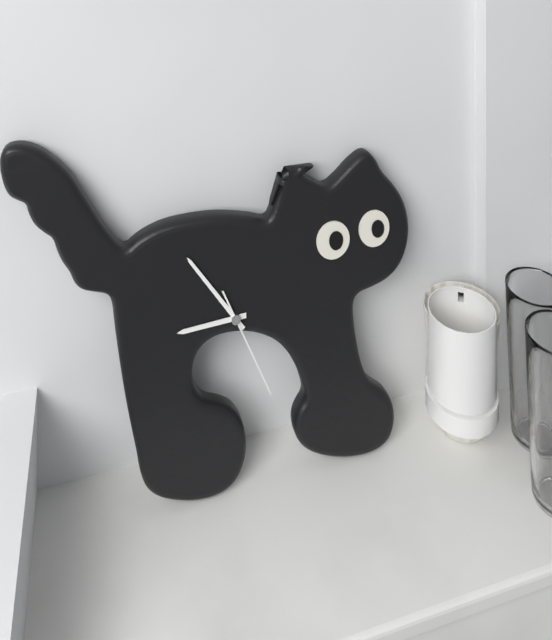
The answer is h=8 m=54 s=26
